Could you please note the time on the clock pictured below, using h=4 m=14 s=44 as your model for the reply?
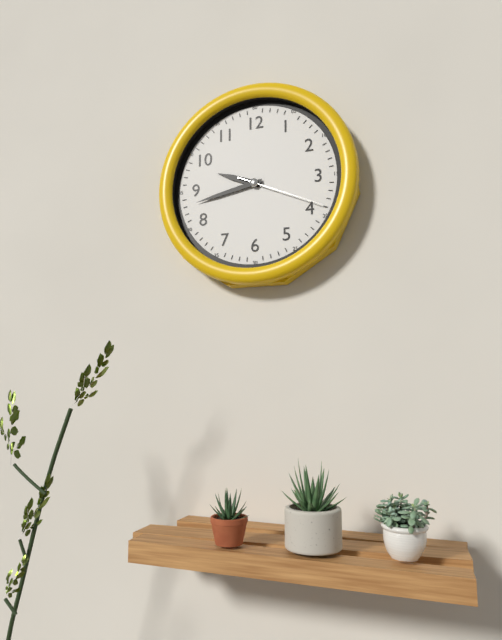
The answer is h=9 m=43 s=19
